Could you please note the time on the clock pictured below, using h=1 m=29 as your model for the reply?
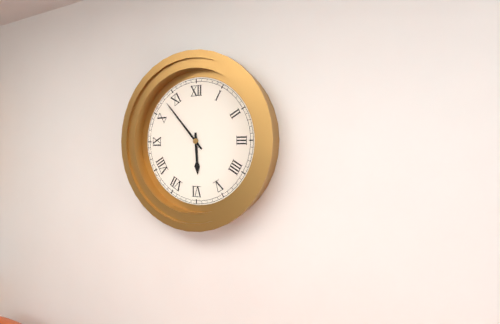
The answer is h=5 m=53
